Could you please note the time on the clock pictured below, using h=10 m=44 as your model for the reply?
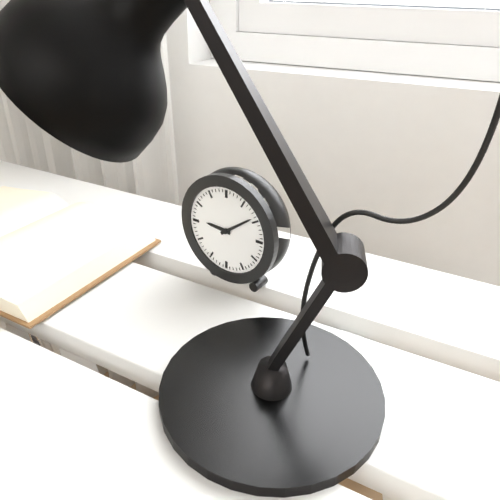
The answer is h=9 m=9
